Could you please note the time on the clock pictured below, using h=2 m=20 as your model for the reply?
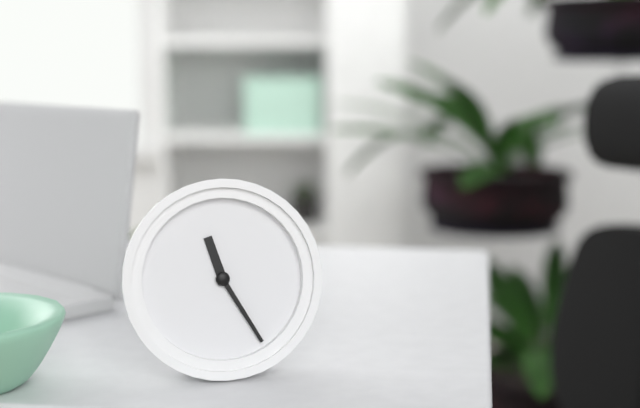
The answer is h=11 m=25
